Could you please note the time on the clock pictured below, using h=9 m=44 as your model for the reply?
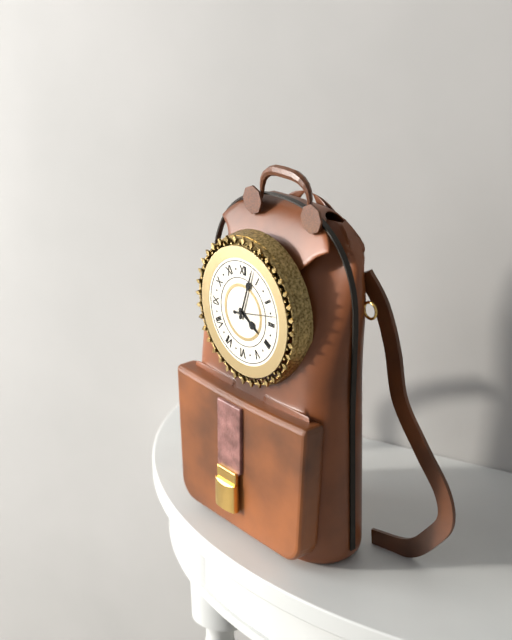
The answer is h=4 m=3
